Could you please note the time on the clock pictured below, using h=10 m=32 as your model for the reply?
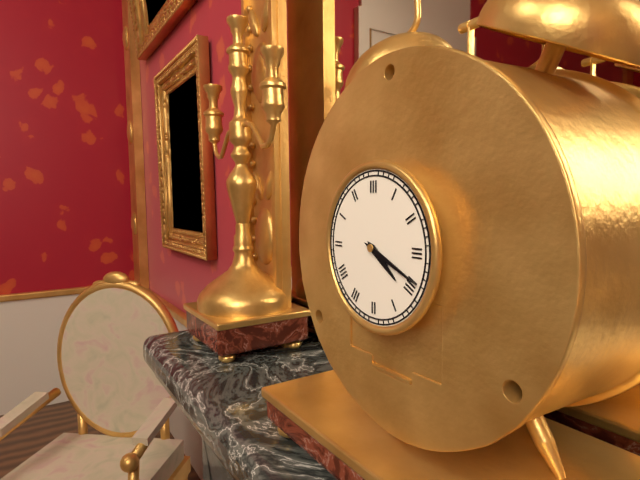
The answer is h=4 m=19
